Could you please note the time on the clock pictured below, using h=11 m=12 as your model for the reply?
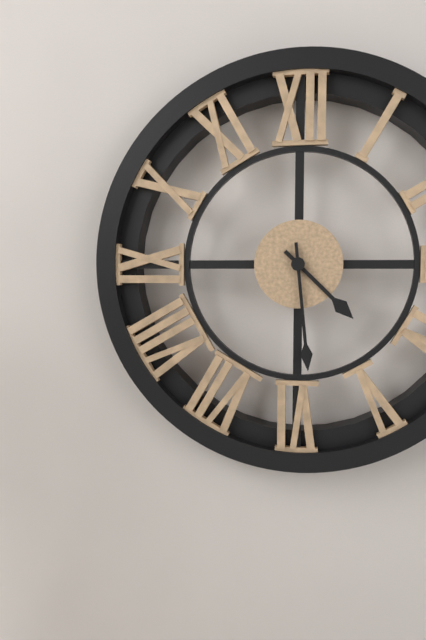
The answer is h=4 m=29
